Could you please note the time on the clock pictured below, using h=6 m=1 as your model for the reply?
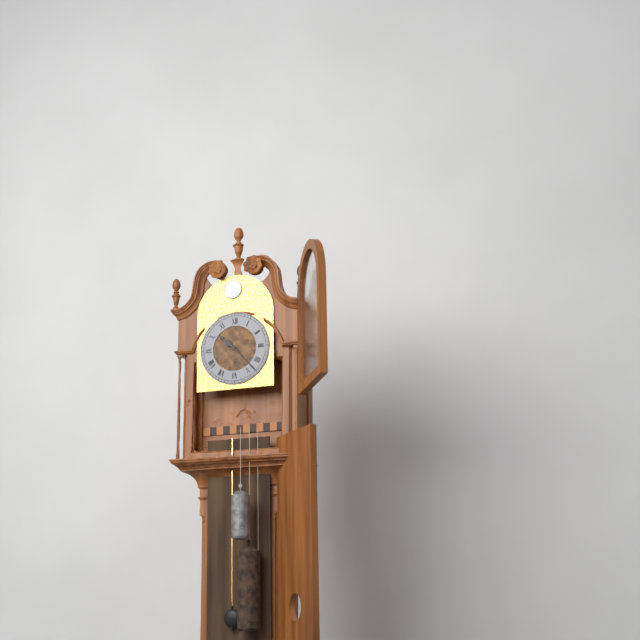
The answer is h=10 m=23
